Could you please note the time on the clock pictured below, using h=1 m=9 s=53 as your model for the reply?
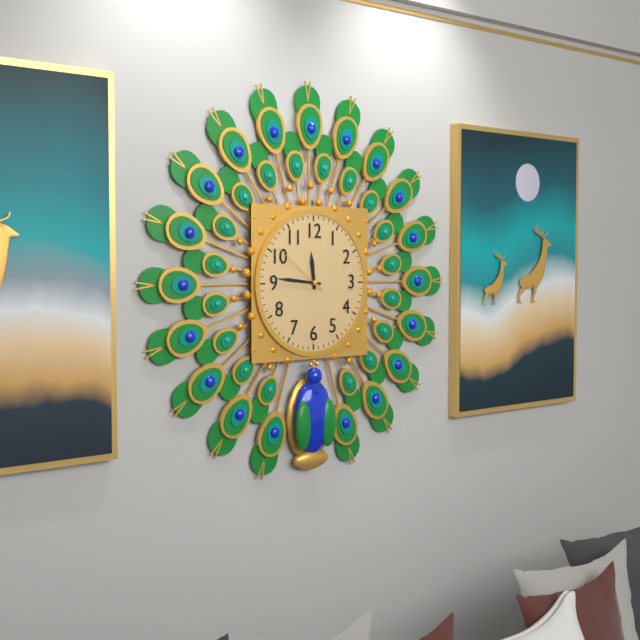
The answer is h=11 m=46 s=51
